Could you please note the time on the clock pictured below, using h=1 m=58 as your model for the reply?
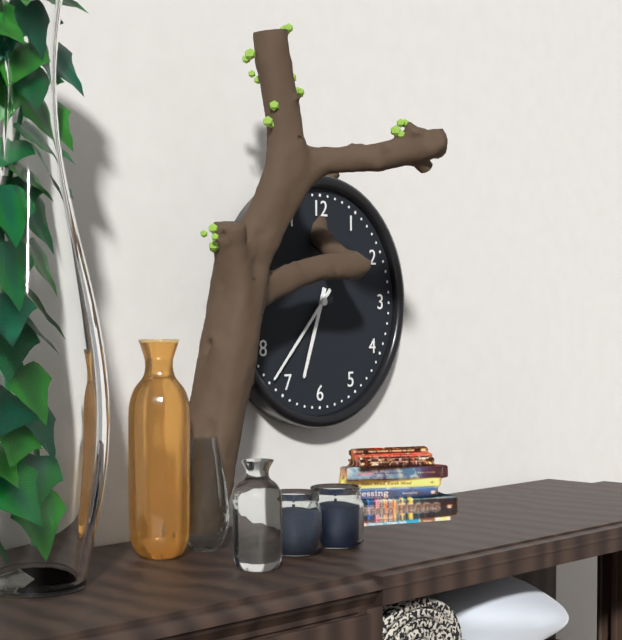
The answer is h=6 m=37
